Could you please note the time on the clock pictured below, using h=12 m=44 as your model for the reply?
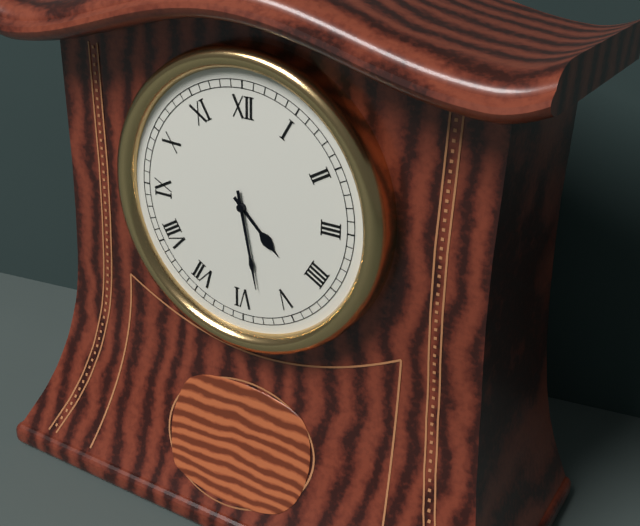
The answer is h=4 m=28
